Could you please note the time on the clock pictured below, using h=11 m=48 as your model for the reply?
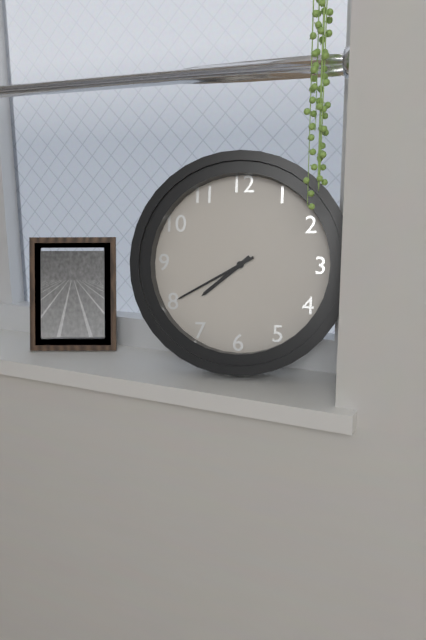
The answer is h=7 m=40
